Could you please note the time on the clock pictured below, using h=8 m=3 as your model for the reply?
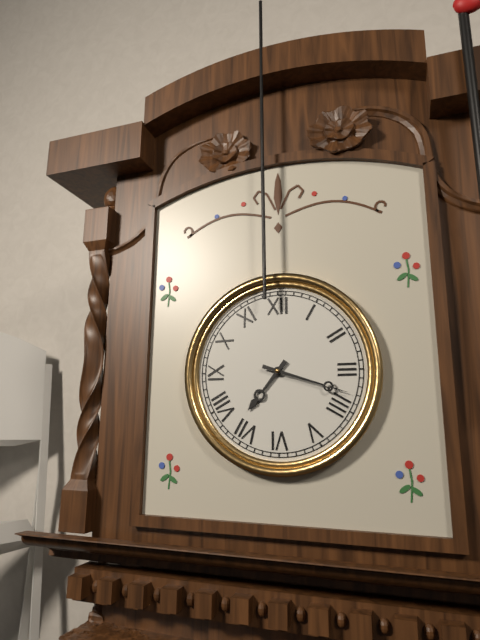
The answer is h=7 m=18
